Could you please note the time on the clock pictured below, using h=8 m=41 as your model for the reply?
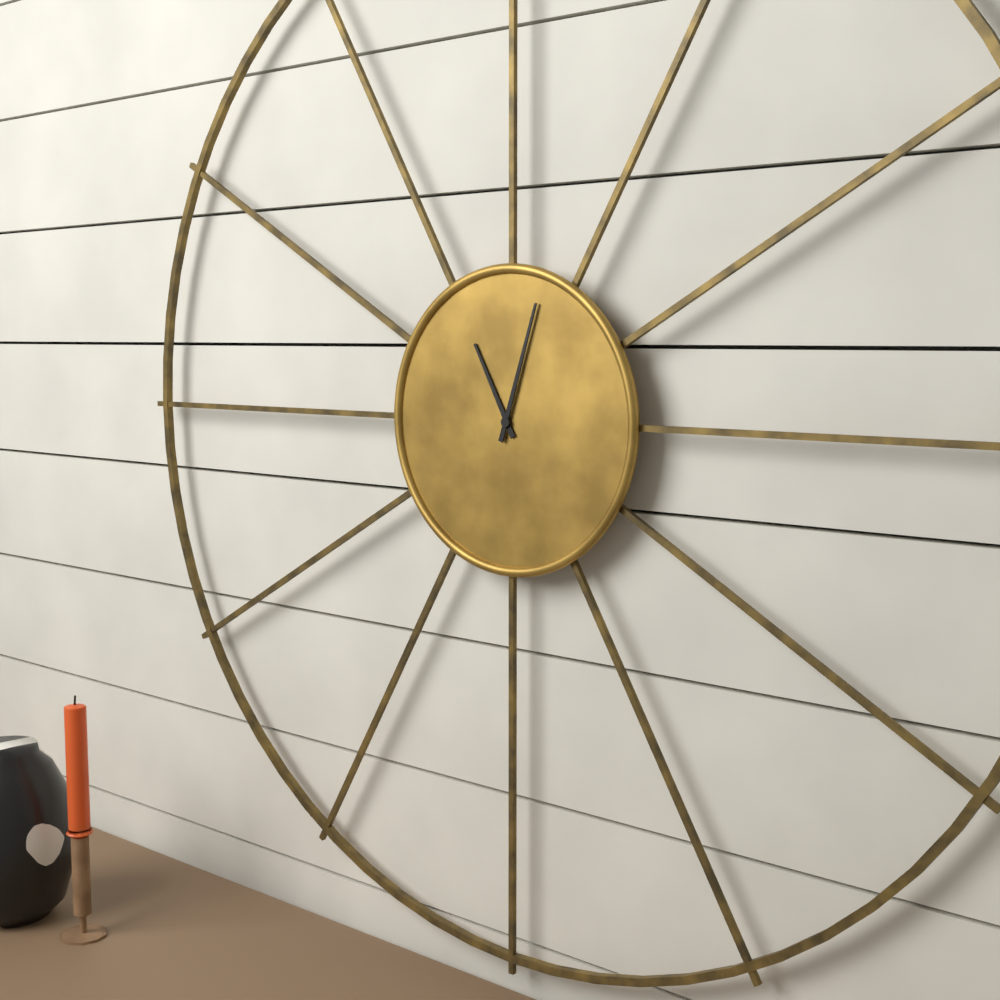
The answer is h=11 m=3
